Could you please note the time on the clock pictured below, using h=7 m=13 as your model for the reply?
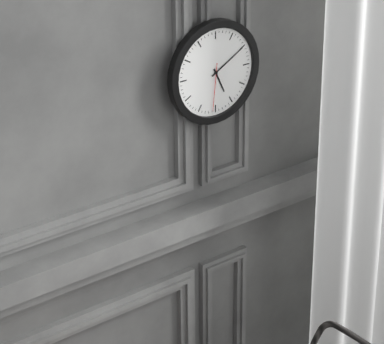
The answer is h=5 m=10
